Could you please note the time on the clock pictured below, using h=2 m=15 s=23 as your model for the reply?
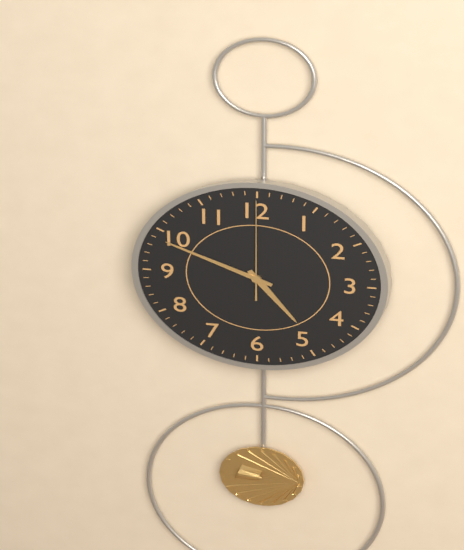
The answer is h=4 m=49 s=0
